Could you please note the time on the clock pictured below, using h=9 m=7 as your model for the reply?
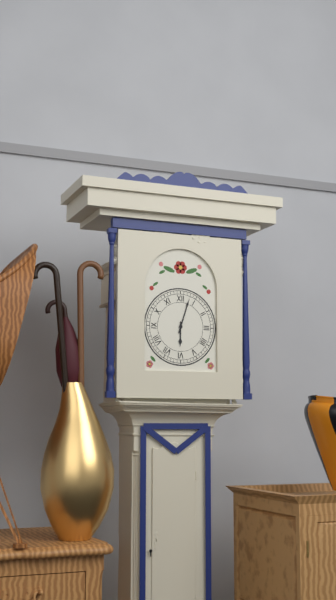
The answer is h=6 m=3
